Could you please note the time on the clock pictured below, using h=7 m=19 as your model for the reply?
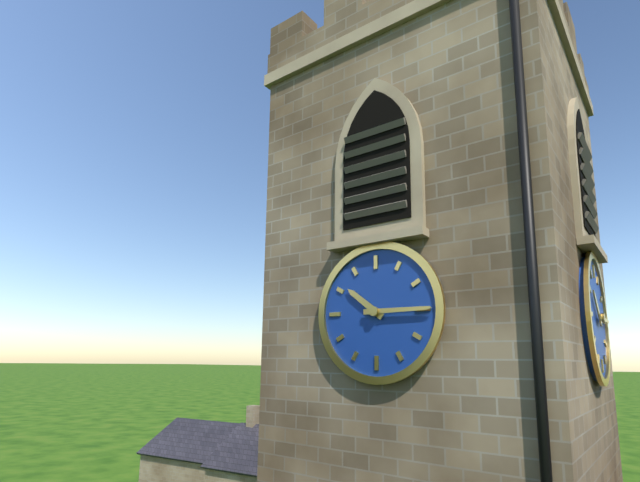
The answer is h=10 m=15
